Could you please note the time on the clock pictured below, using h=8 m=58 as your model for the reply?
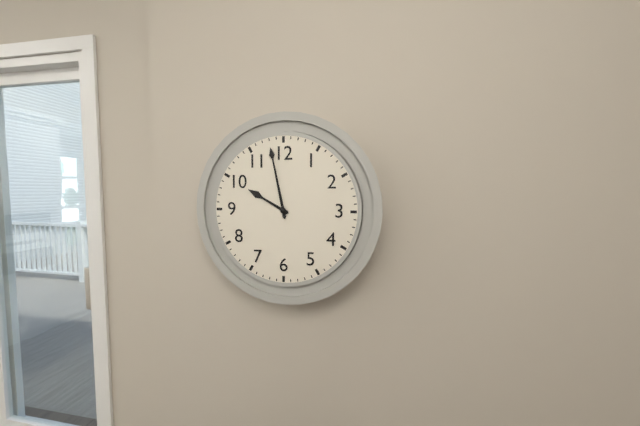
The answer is h=9 m=58
